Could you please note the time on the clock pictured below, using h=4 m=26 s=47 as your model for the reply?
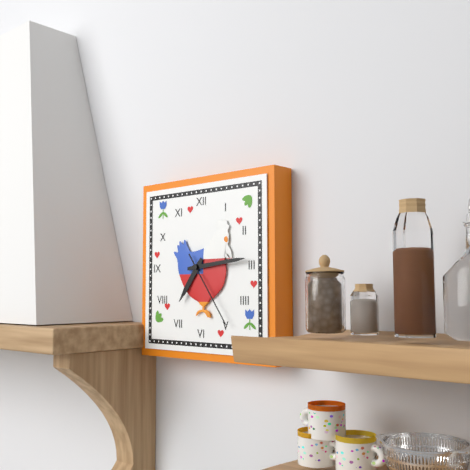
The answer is h=7 m=14 s=24
